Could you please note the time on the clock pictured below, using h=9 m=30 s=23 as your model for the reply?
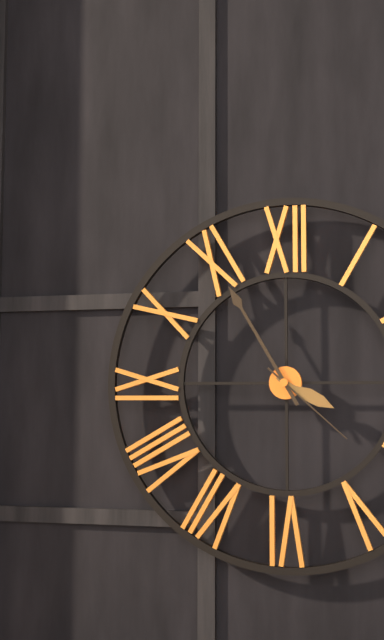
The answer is h=3 m=55 s=22
